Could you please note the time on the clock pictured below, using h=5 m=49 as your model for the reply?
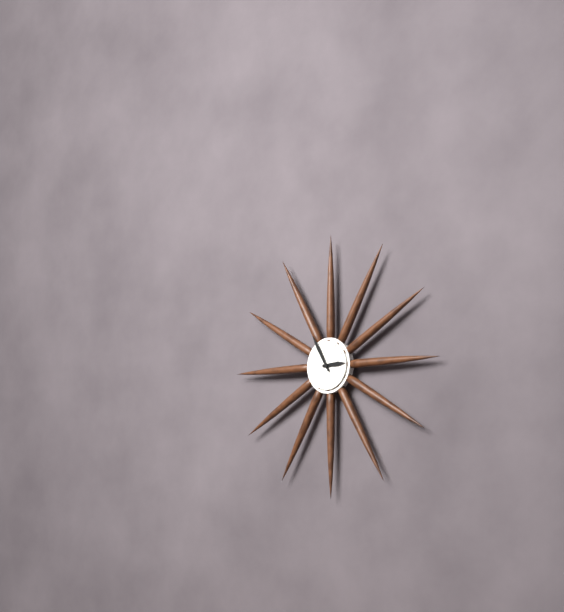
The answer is h=2 m=55
